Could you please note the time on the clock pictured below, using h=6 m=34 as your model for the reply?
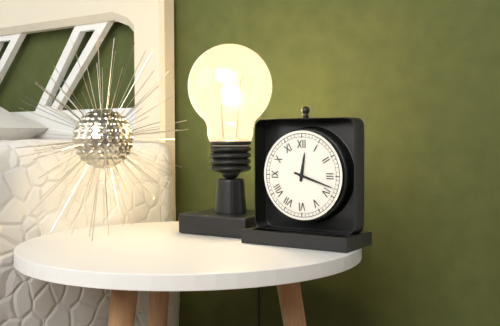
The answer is h=12 m=18
